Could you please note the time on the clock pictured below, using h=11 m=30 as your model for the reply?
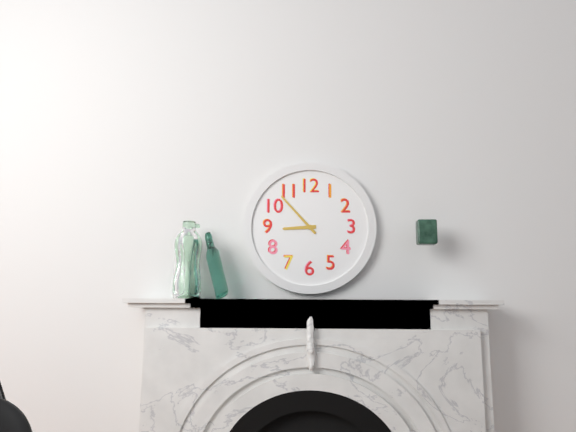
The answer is h=8 m=53
